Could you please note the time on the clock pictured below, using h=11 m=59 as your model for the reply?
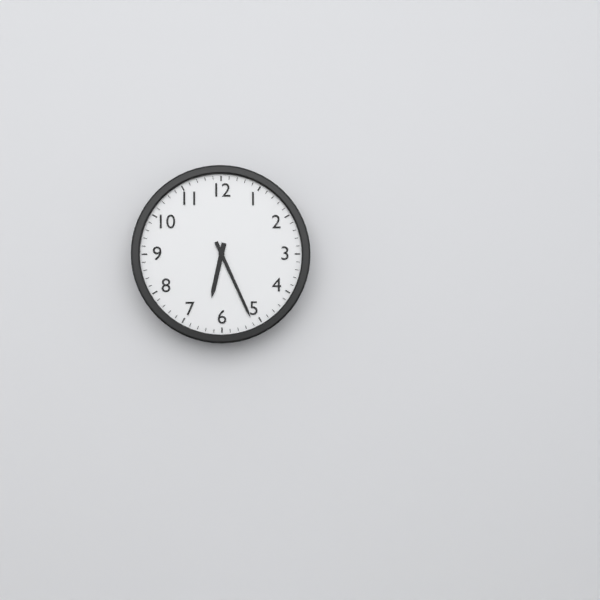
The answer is h=6 m=26
